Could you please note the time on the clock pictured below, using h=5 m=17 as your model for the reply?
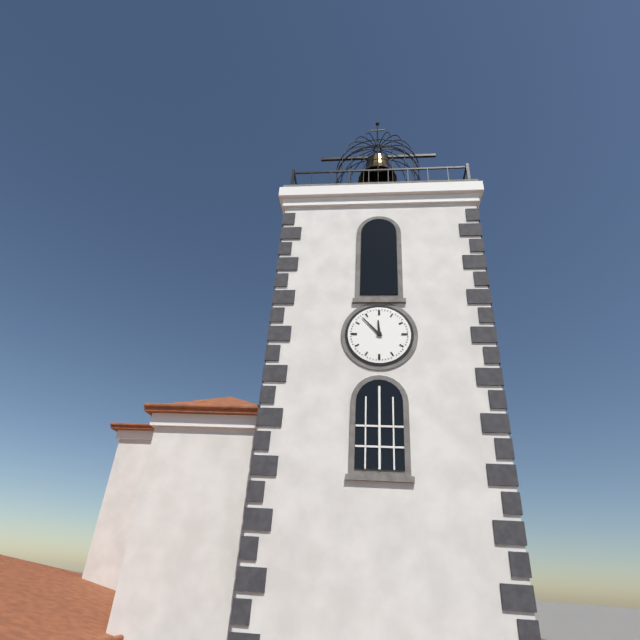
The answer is h=11 m=53
